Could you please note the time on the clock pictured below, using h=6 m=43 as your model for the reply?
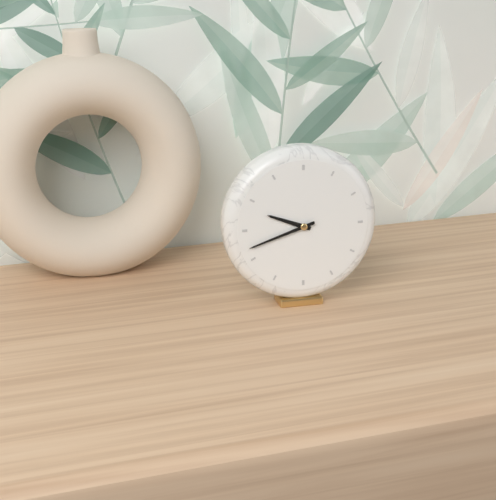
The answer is h=9 m=42
